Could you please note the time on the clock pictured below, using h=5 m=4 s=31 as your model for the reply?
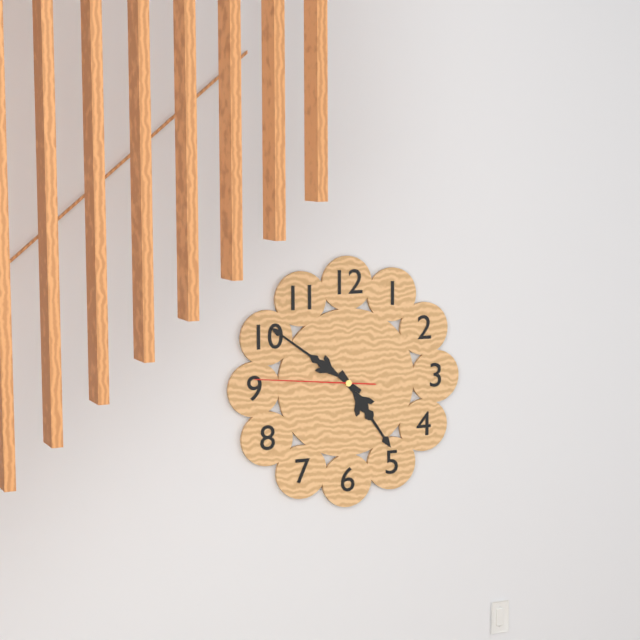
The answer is h=4 m=51 s=46
